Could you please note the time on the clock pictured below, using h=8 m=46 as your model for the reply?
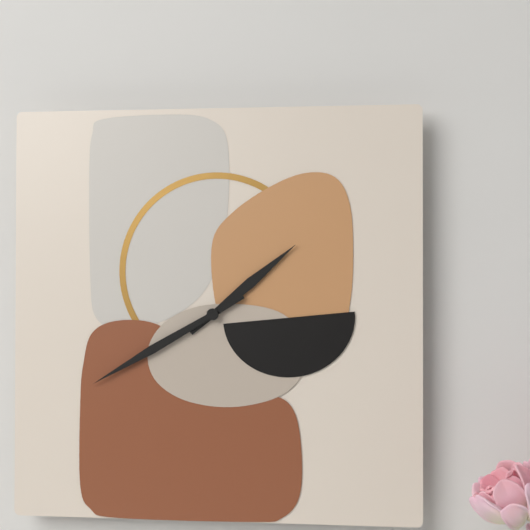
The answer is h=1 m=40
